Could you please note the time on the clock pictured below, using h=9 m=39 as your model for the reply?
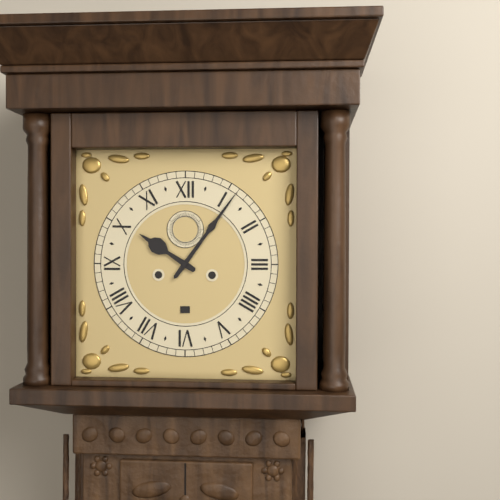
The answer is h=10 m=6
